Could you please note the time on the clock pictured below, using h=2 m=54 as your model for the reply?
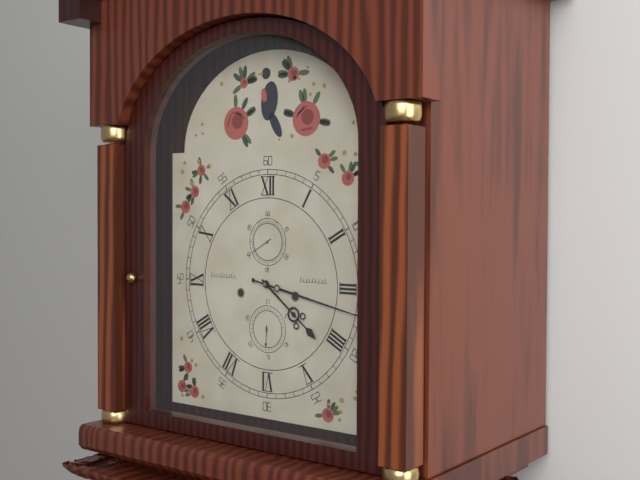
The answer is h=4 m=17
